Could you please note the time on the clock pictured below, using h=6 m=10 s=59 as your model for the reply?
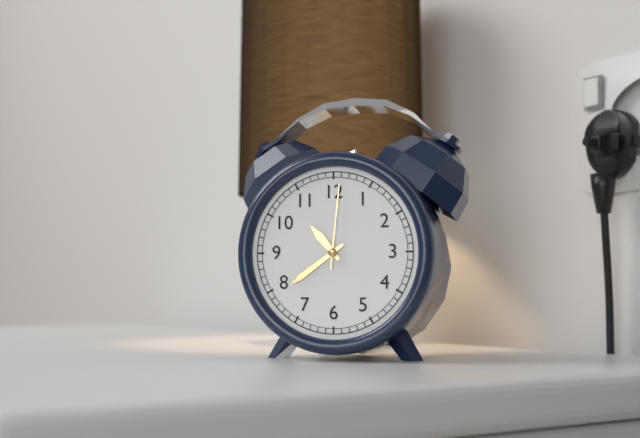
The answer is h=10 m=39 s=1
